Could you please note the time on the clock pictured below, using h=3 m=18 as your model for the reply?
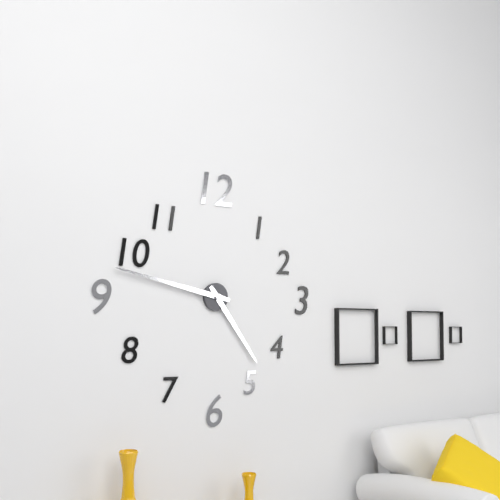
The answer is h=4 m=47
